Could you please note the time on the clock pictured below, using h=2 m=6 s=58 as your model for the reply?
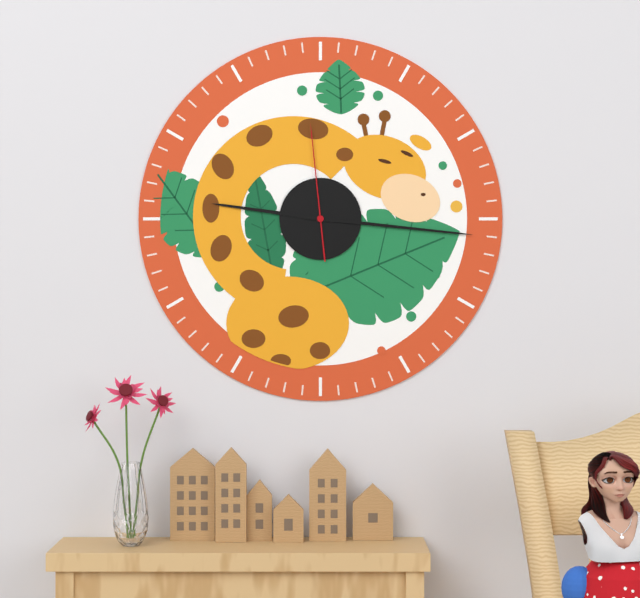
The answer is h=9 m=16 s=59
